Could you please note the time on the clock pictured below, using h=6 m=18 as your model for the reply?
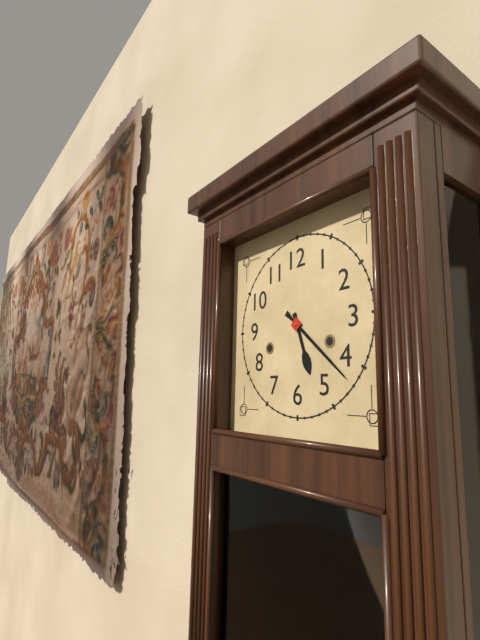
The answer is h=5 m=22
